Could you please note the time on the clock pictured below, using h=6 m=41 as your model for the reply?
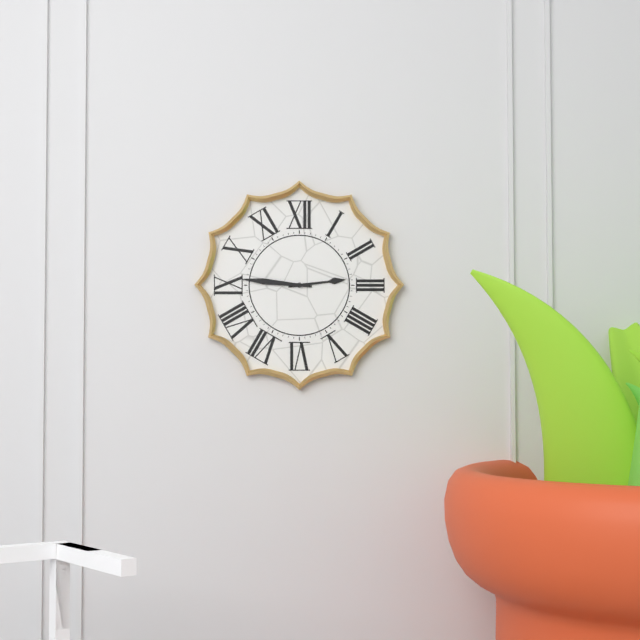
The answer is h=2 m=46
